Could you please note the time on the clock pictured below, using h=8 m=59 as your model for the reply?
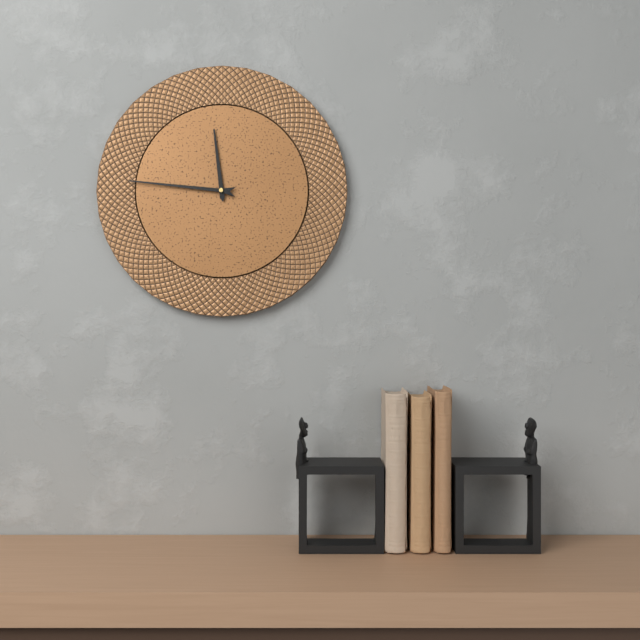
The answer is h=11 m=46
